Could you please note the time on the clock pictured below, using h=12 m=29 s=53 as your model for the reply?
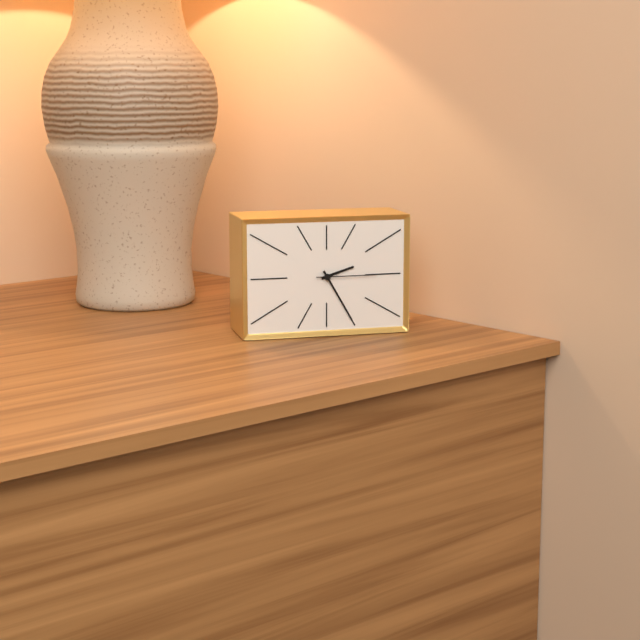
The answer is h=2 m=25 s=15
